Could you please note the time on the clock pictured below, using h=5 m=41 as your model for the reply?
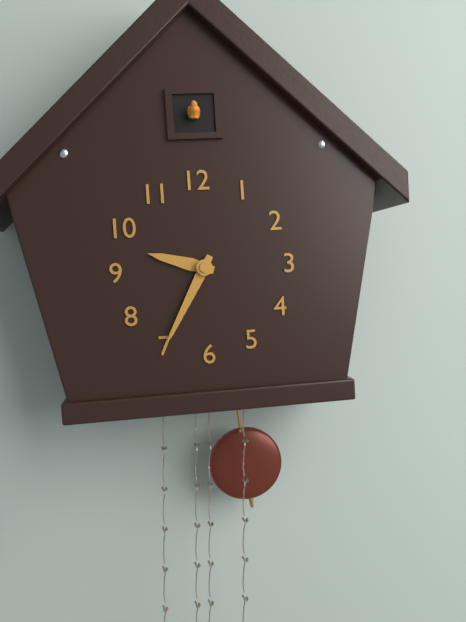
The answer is h=9 m=35
